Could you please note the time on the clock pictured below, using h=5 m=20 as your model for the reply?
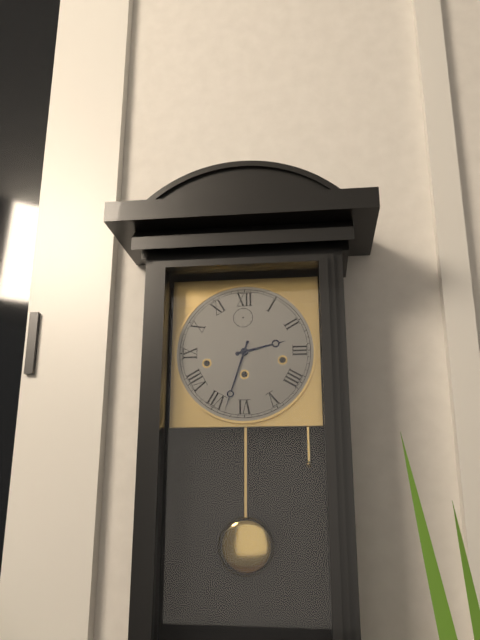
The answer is h=2 m=33
